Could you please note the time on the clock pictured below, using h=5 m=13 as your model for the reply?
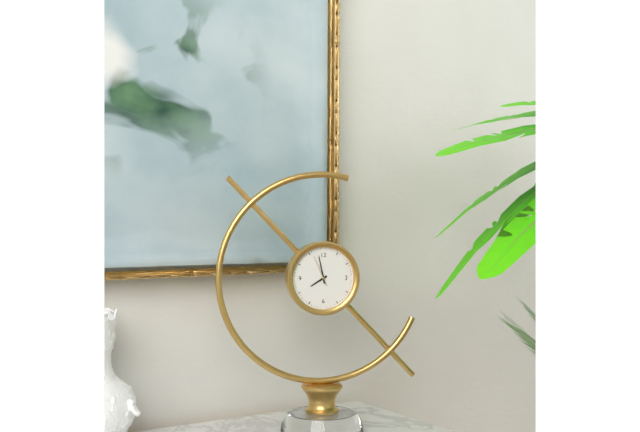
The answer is h=7 m=58
